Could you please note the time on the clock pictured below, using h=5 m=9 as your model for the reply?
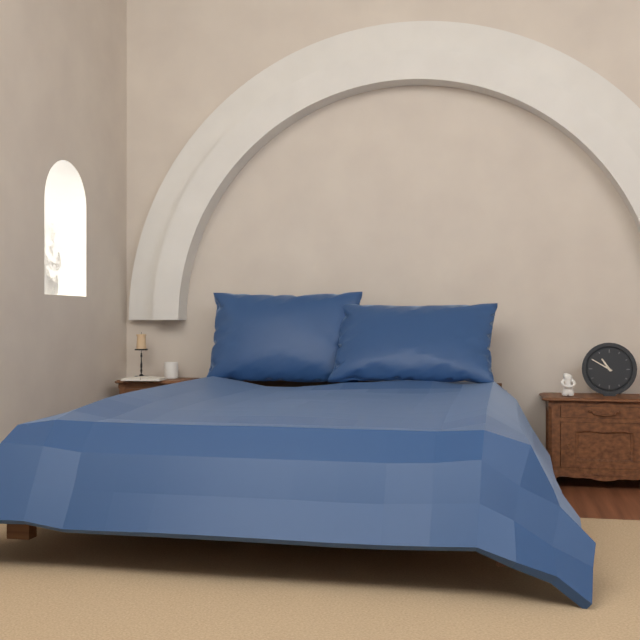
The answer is h=10 m=50
